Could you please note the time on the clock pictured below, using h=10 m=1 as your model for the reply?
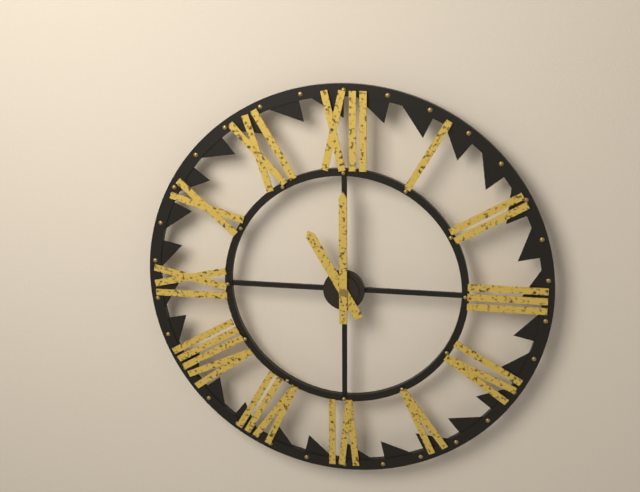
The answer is h=11 m=0
